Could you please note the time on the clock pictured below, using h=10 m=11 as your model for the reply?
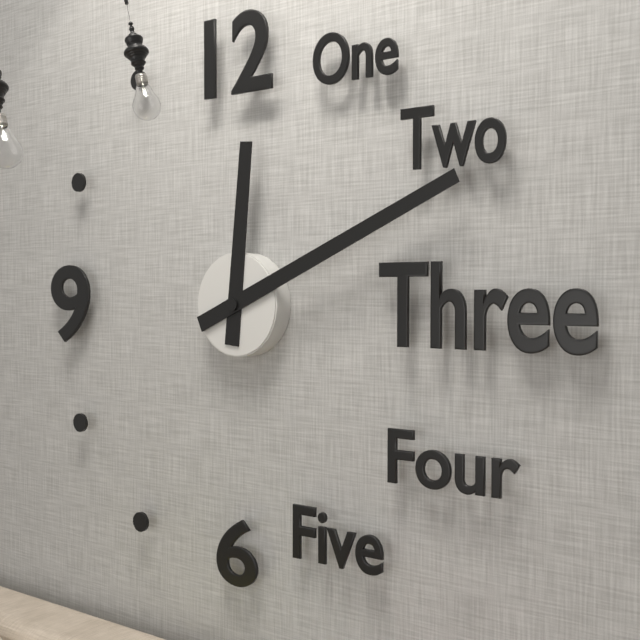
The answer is h=12 m=11
